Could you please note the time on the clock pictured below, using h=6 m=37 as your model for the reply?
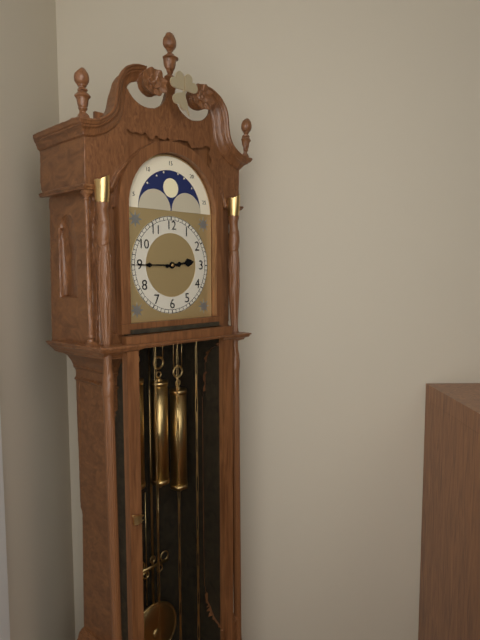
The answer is h=2 m=45
